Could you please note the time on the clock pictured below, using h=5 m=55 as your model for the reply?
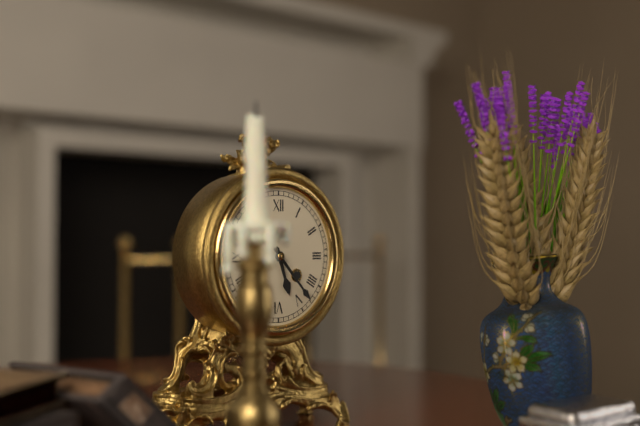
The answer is h=5 m=23
